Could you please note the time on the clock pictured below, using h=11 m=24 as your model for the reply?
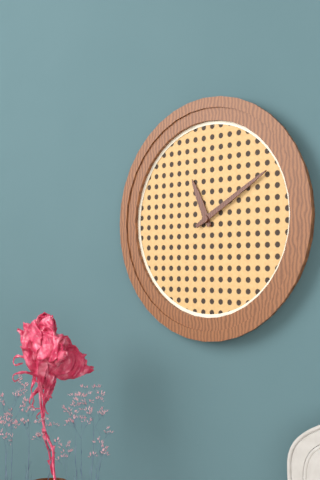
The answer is h=11 m=10
